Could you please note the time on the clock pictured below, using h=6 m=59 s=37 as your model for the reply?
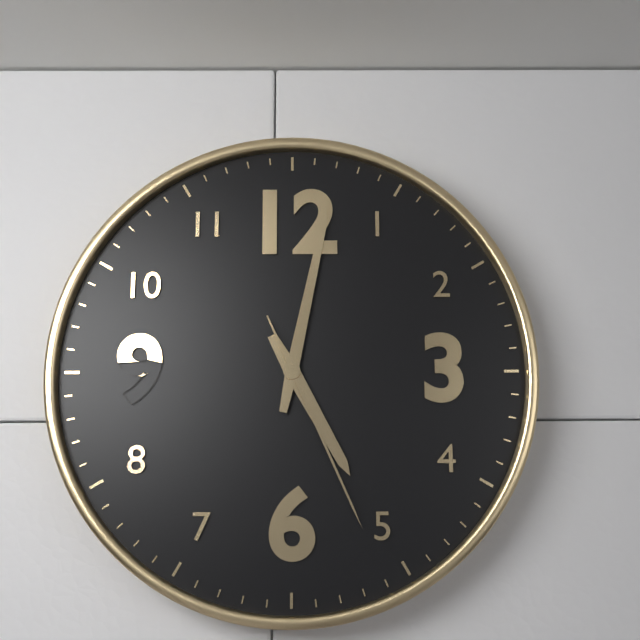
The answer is h=5 m=2 s=26
